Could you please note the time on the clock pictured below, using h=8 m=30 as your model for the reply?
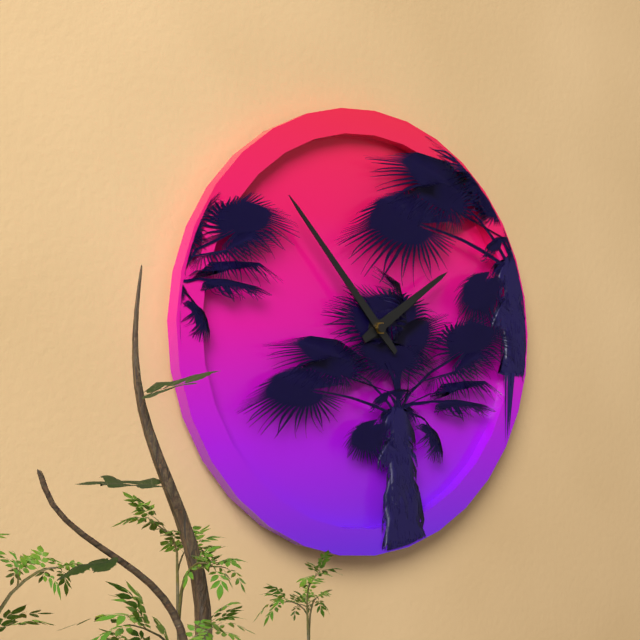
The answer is h=1 m=53
